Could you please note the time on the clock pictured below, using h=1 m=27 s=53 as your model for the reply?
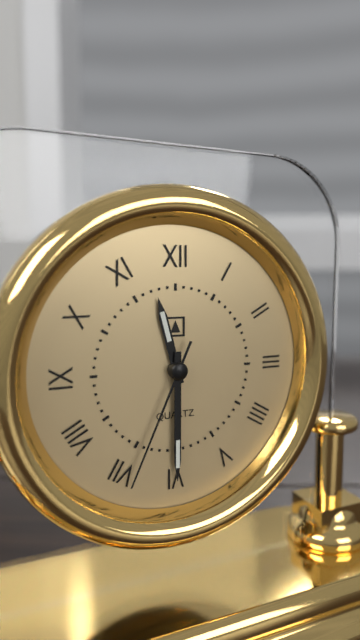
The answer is h=11 m=30 s=34
